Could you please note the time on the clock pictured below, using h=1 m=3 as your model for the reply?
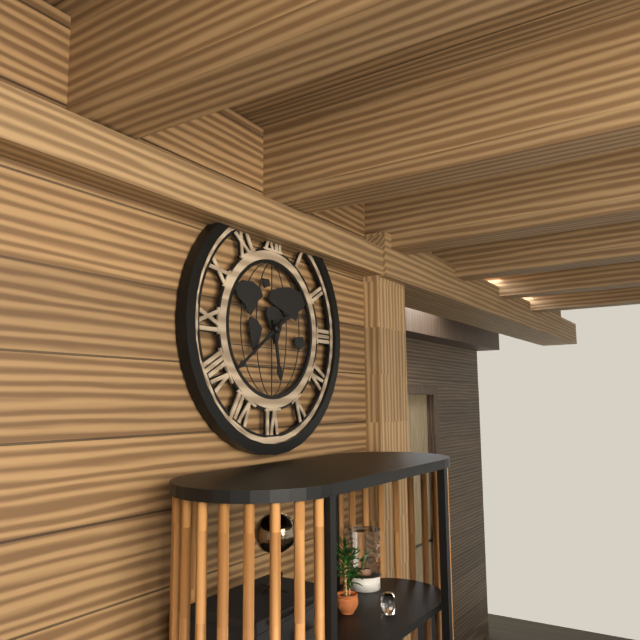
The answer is h=5 m=39
